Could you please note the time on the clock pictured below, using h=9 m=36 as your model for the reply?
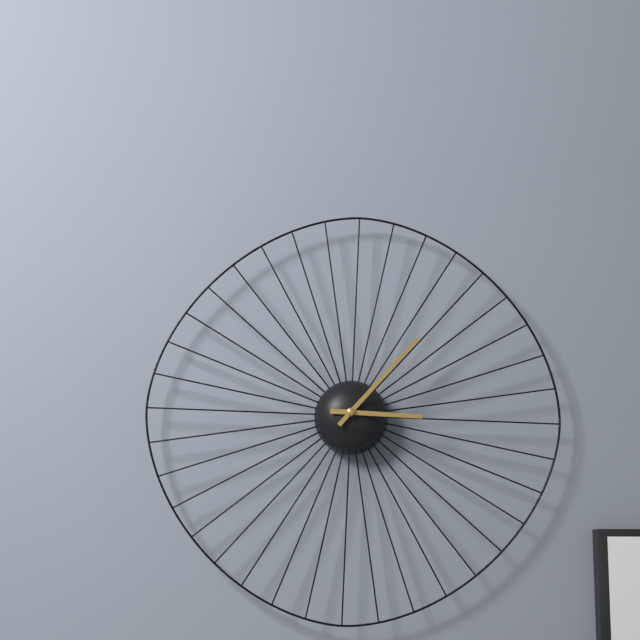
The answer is h=3 m=7
